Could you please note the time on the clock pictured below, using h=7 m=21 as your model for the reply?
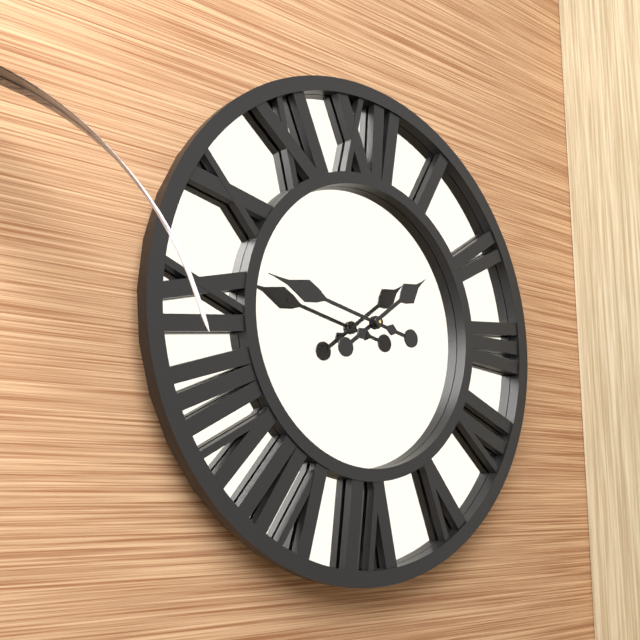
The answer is h=1 m=47
